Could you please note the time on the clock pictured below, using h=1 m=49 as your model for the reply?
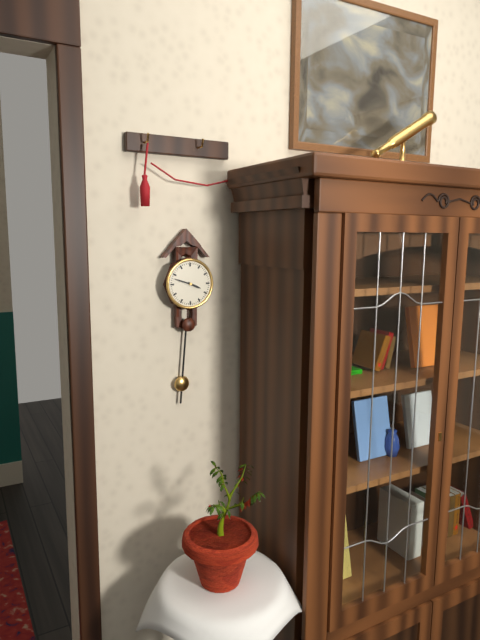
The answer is h=3 m=48
